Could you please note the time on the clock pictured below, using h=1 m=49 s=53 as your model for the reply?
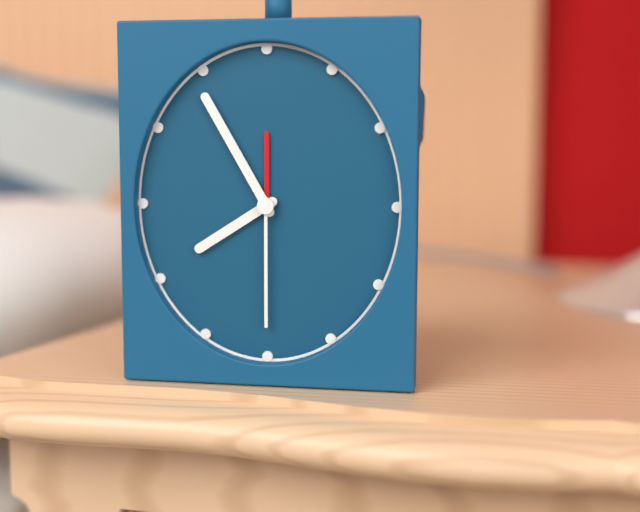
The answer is h=7 m=55 s=30
